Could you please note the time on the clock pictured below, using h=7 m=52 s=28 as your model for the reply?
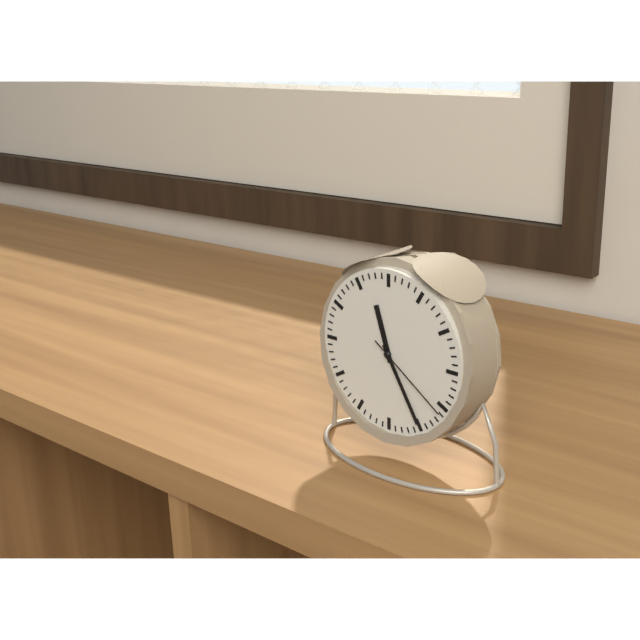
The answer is h=11 m=25 s=21
